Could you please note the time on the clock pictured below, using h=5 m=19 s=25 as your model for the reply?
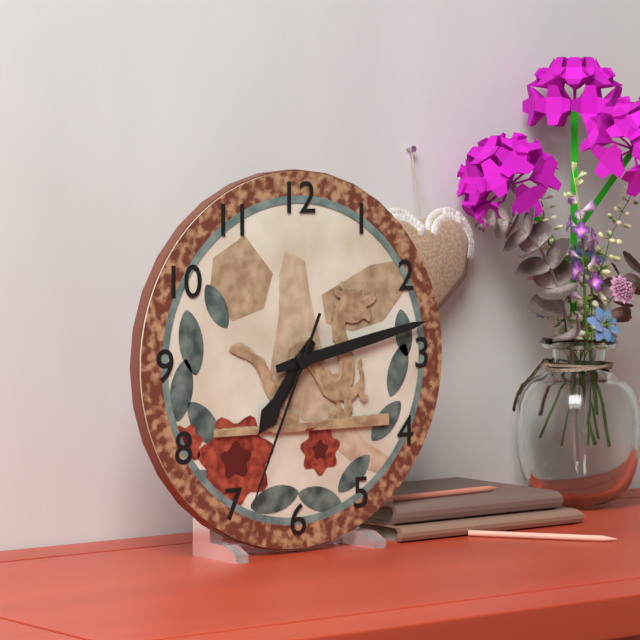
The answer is h=7 m=13 s=34
